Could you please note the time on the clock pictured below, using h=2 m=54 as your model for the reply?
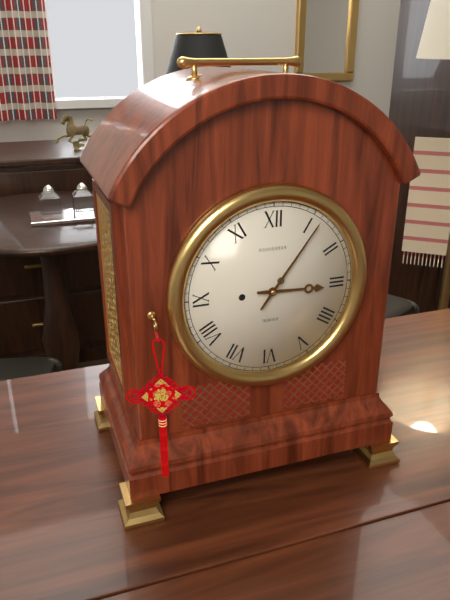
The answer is h=3 m=6
